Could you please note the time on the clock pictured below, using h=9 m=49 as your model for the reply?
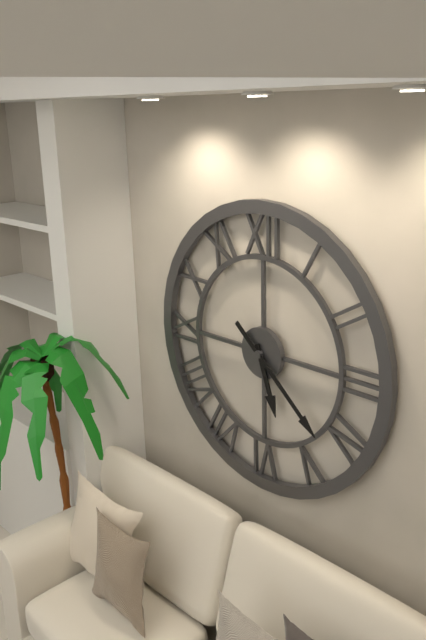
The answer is h=5 m=22
